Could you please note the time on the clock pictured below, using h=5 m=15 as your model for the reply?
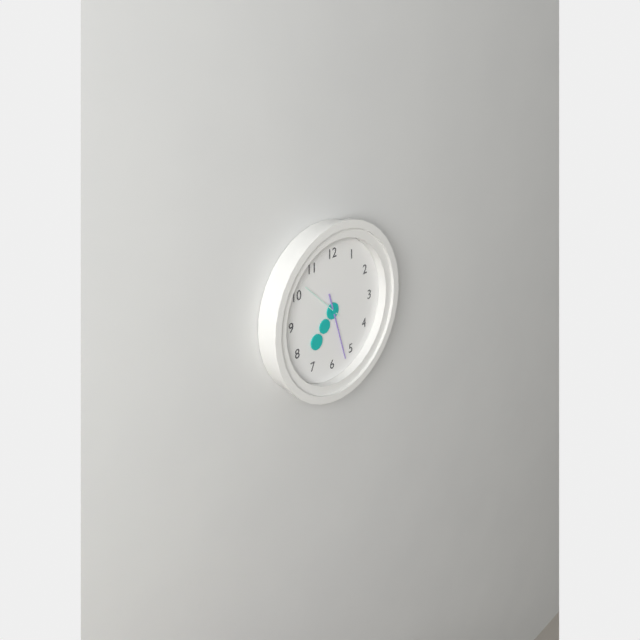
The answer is h=7 m=27
